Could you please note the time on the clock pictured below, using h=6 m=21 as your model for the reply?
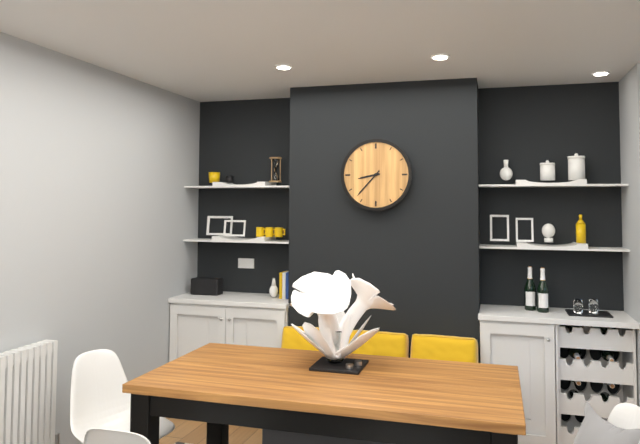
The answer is h=8 m=37
